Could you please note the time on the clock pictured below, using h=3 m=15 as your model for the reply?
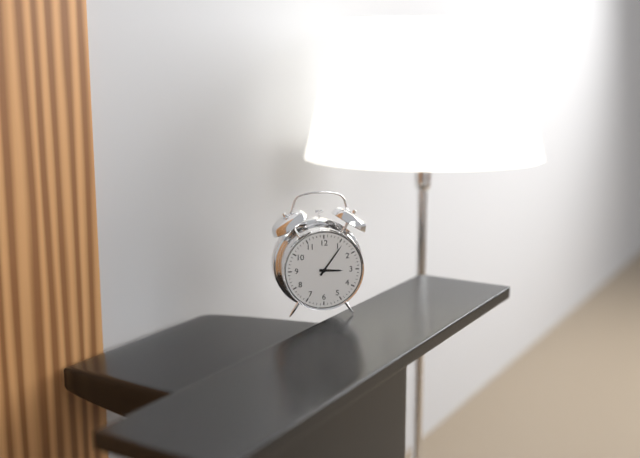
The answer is h=3 m=6
